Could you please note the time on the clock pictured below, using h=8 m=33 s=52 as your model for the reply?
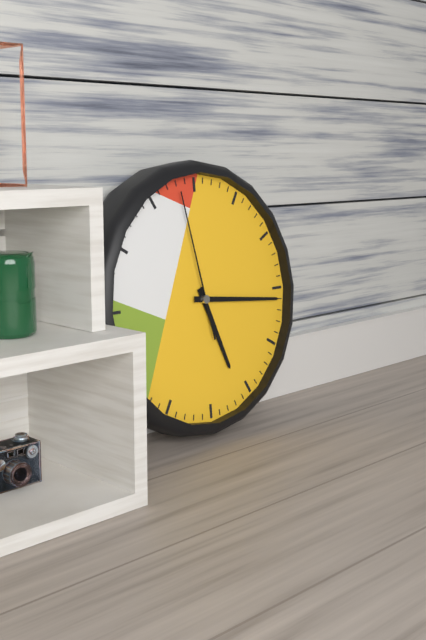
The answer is h=5 m=16 s=58
